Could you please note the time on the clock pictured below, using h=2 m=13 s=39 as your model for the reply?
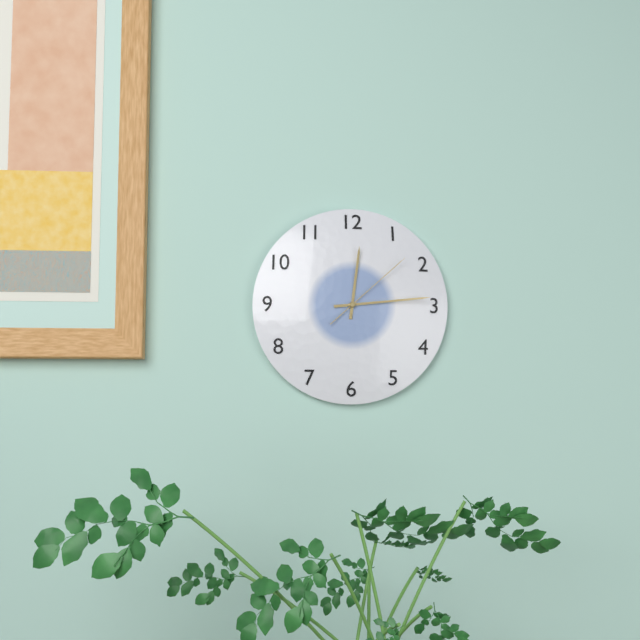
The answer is h=12 m=14 s=8
